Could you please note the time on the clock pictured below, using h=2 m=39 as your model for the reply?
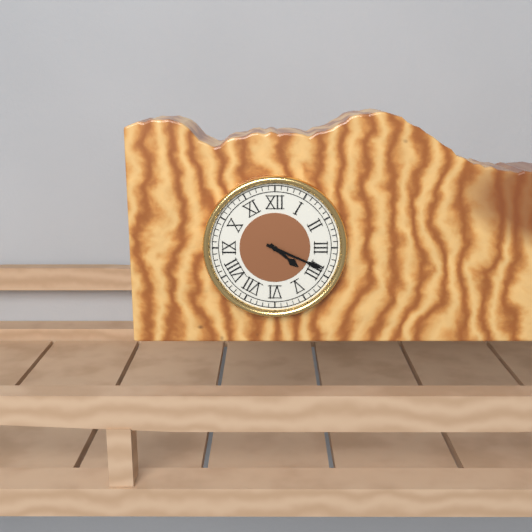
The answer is h=4 m=19
